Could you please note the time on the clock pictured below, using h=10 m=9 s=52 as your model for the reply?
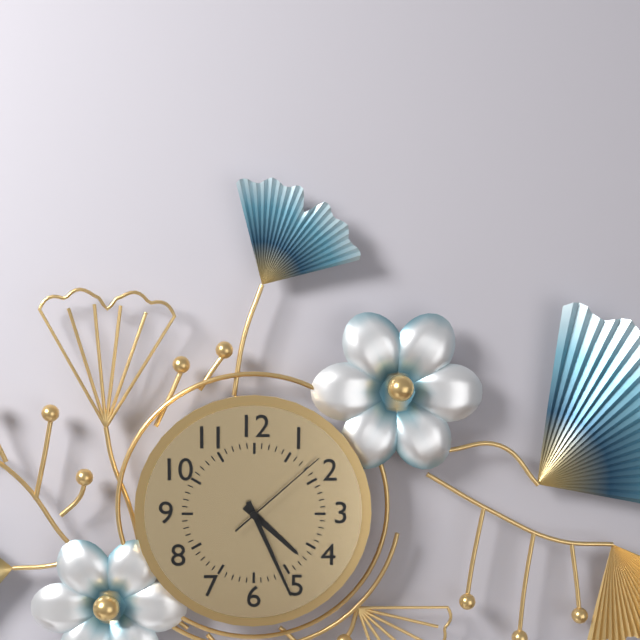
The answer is h=4 m=26 s=8
